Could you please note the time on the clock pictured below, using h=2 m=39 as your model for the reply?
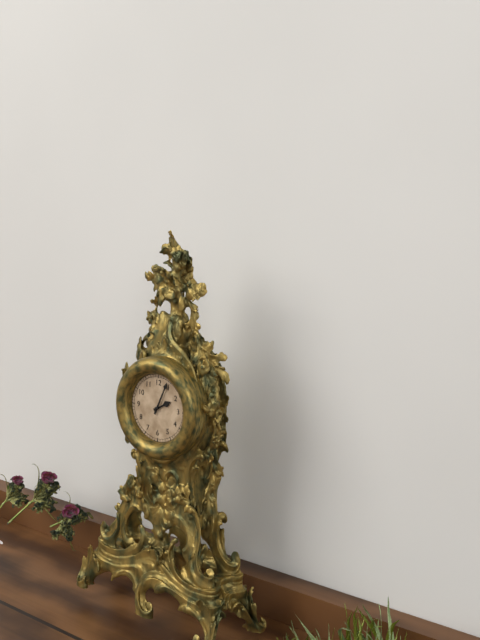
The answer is h=2 m=4
